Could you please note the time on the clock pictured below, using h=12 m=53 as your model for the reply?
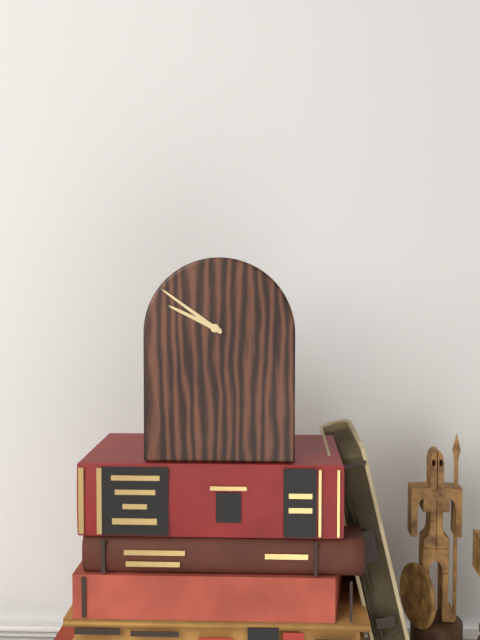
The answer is h=9 m=51
